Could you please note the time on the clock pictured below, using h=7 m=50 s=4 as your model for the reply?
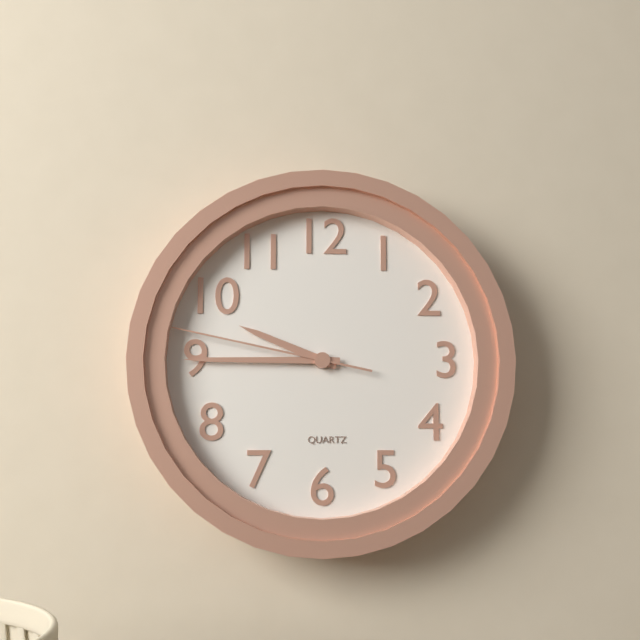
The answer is h=9 m=45 s=47
